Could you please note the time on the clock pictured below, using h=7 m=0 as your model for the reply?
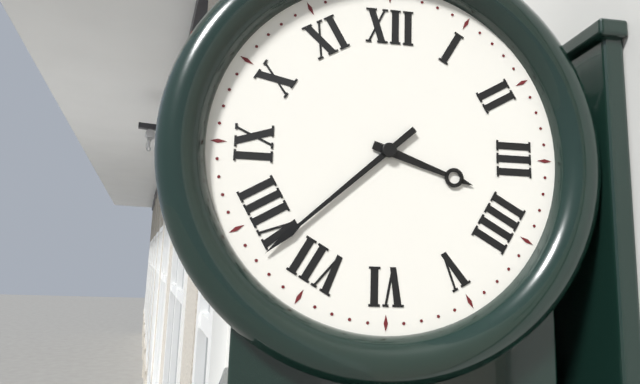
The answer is h=3 m=38
